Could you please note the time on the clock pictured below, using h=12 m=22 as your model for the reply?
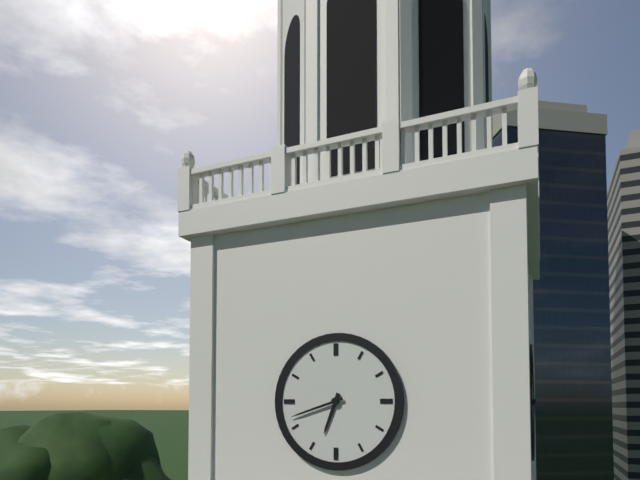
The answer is h=6 m=42
